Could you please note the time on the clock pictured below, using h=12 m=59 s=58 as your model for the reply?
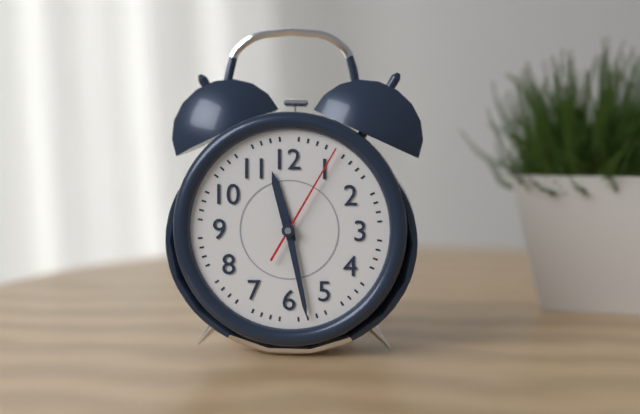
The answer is h=11 m=28 s=5
